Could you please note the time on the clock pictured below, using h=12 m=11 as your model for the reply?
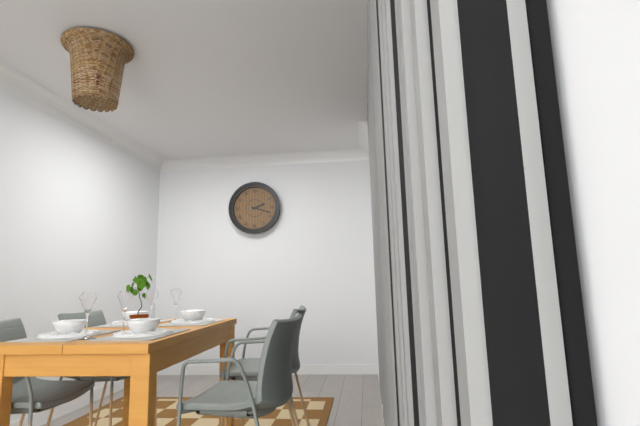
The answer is h=2 m=18
